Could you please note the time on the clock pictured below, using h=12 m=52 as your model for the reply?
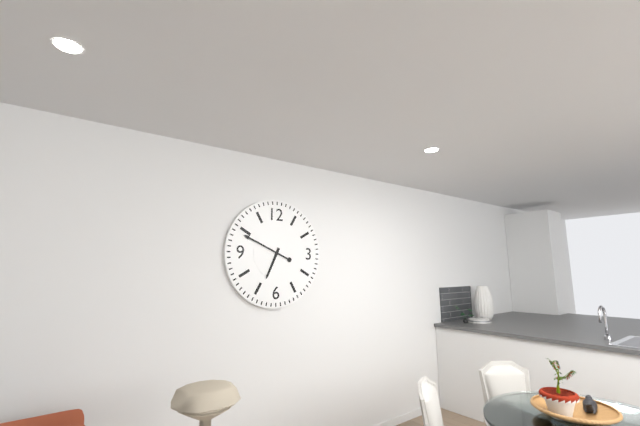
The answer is h=6 m=49
